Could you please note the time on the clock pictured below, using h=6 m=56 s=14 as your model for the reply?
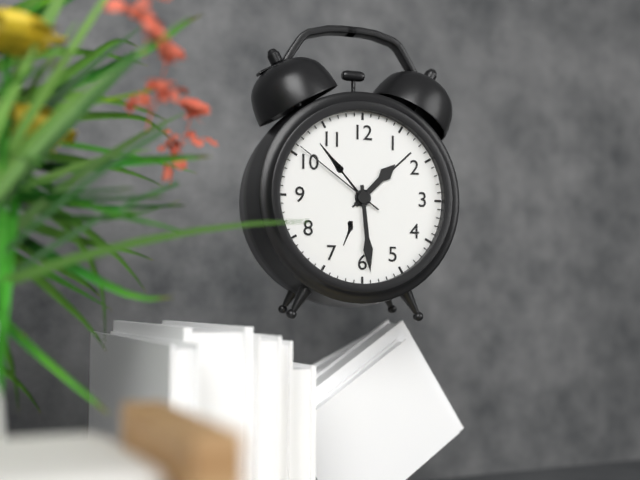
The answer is h=1 m=29 s=51
